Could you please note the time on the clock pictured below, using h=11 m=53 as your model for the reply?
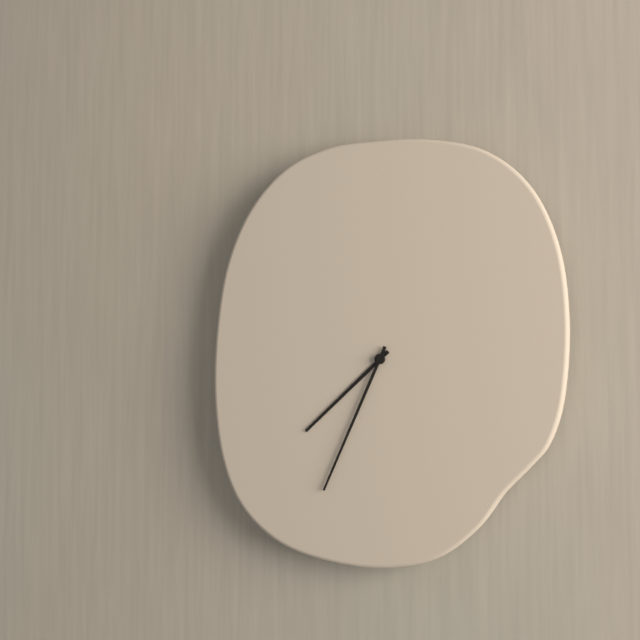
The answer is h=7 m=34
